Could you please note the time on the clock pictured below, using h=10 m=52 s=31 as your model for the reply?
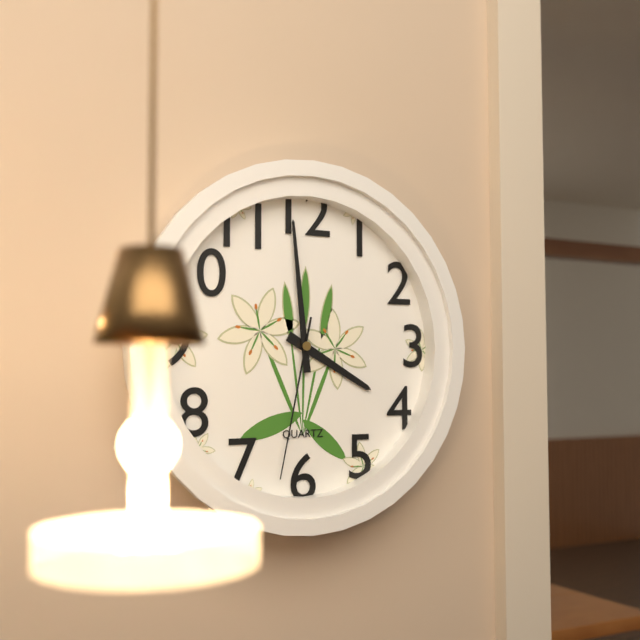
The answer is h=3 m=59 s=32
